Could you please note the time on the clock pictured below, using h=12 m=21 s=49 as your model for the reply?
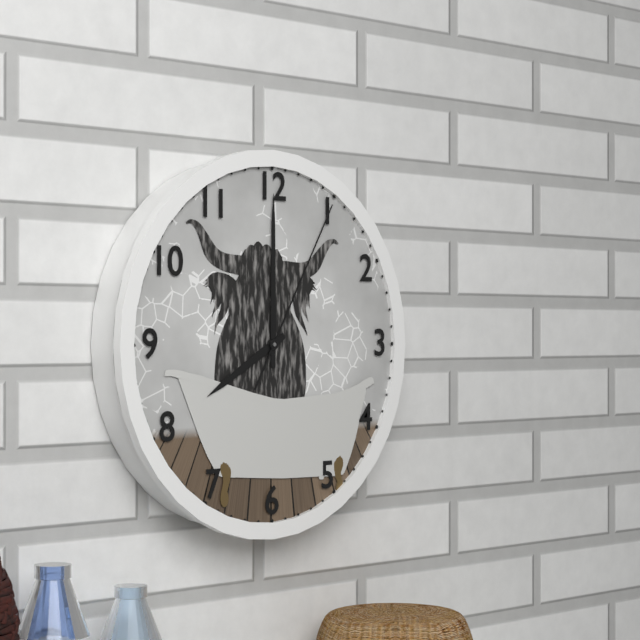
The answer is h=8 m=0 s=5
